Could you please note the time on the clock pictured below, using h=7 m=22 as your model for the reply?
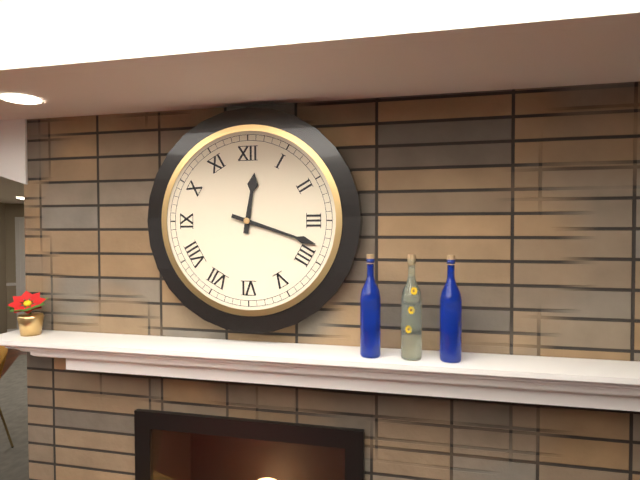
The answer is h=12 m=18
